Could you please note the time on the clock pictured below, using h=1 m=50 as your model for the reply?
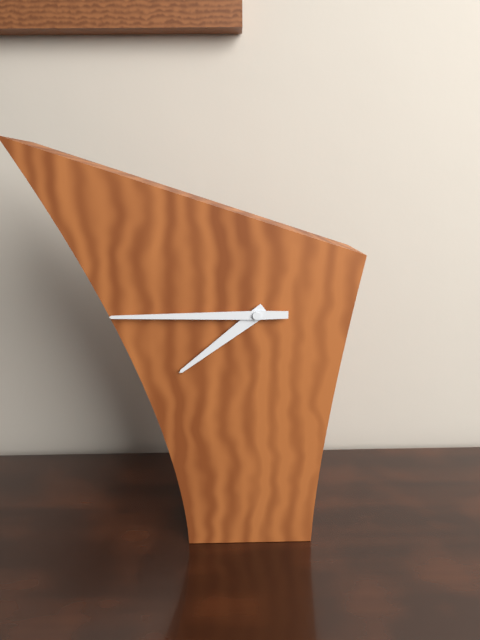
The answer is h=7 m=45
